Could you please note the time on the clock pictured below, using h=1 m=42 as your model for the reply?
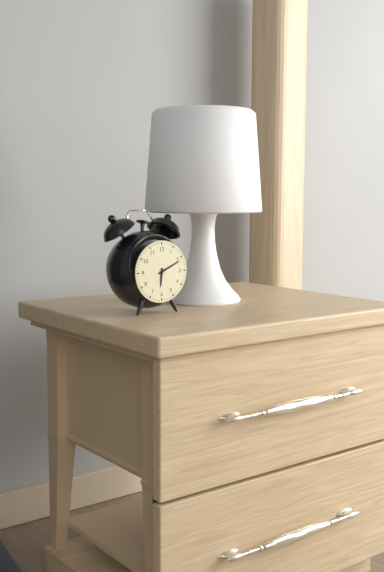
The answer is h=6 m=11
